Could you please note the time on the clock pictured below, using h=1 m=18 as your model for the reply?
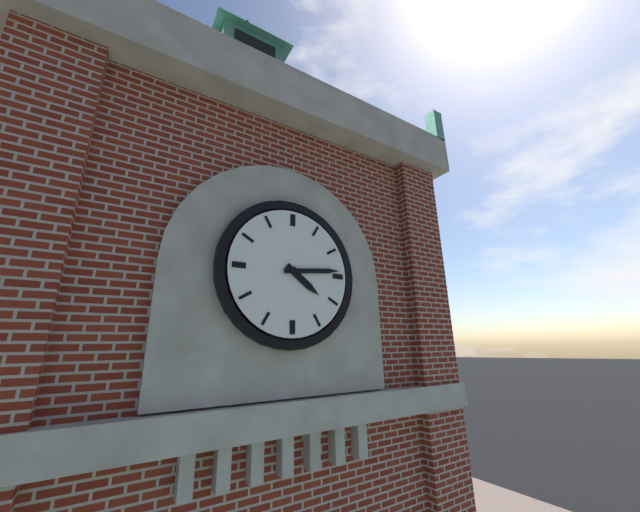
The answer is h=4 m=14
